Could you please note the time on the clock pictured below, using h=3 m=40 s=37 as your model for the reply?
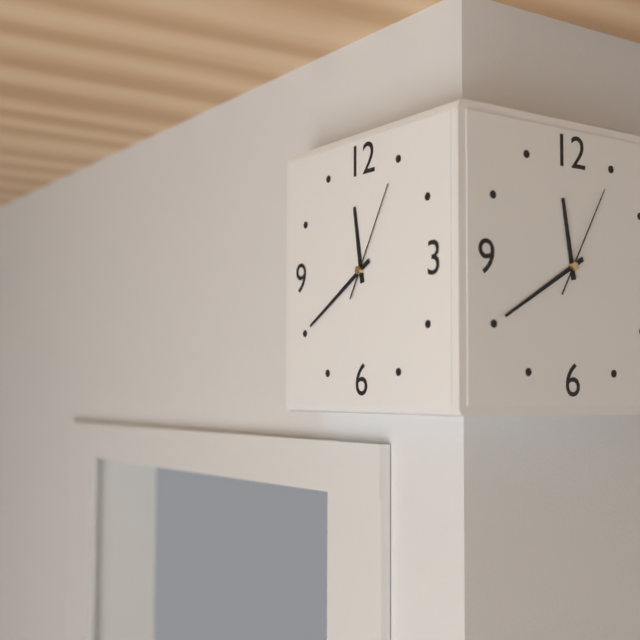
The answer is h=11 m=40 s=5
